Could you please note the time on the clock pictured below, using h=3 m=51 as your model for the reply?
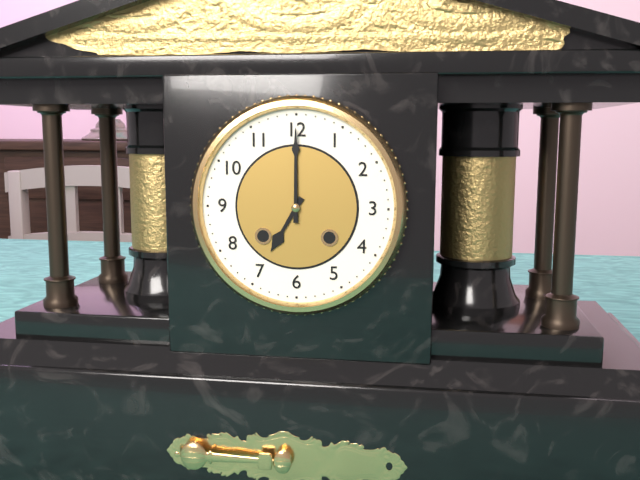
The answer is h=7 m=0
